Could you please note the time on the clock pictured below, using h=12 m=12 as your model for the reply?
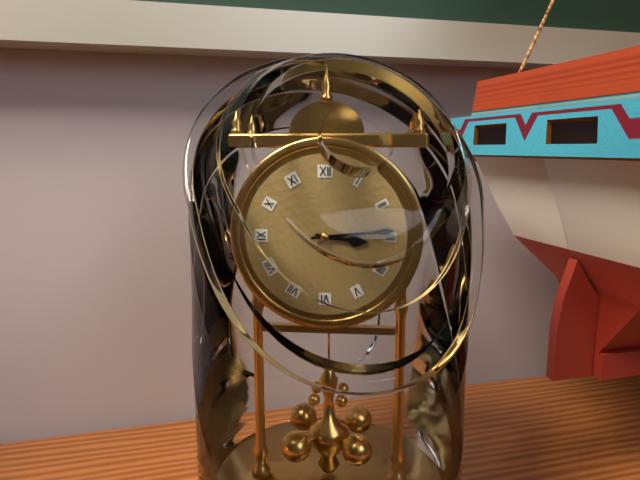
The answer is h=3 m=14
